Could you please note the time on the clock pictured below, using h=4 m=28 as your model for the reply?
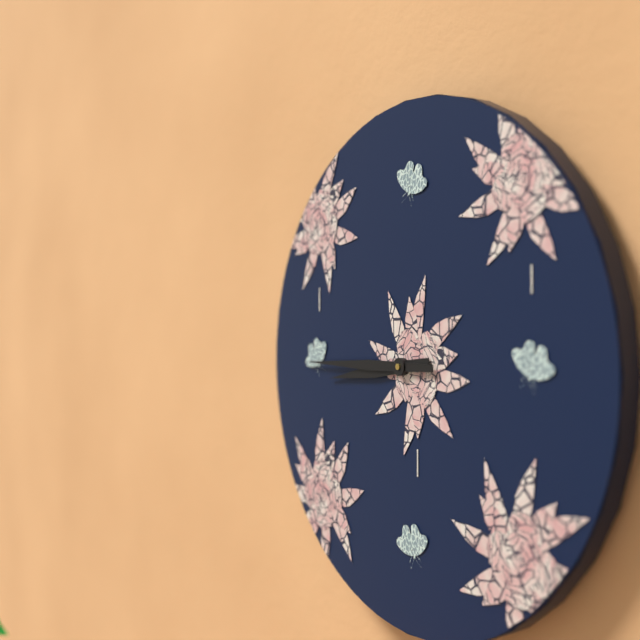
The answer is h=8 m=45
